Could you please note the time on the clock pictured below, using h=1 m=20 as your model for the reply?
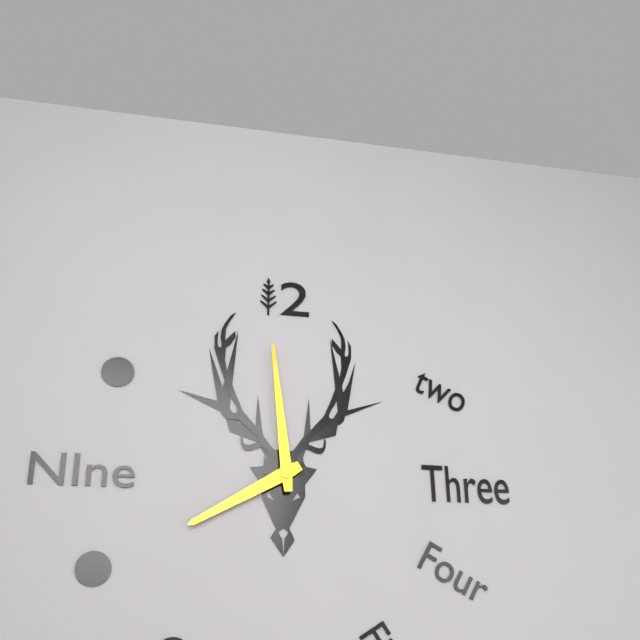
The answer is h=7 m=59
